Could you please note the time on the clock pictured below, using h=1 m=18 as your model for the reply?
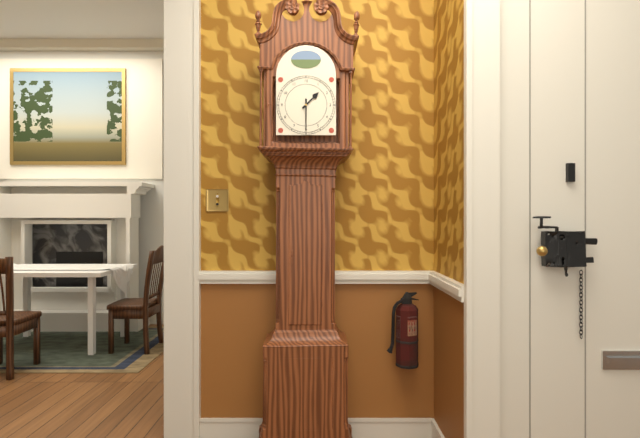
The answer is h=1 m=30
